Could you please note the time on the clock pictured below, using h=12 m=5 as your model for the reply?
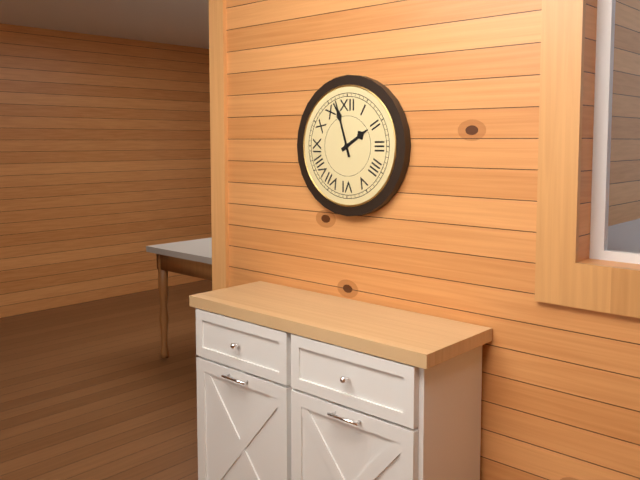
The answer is h=1 m=57
